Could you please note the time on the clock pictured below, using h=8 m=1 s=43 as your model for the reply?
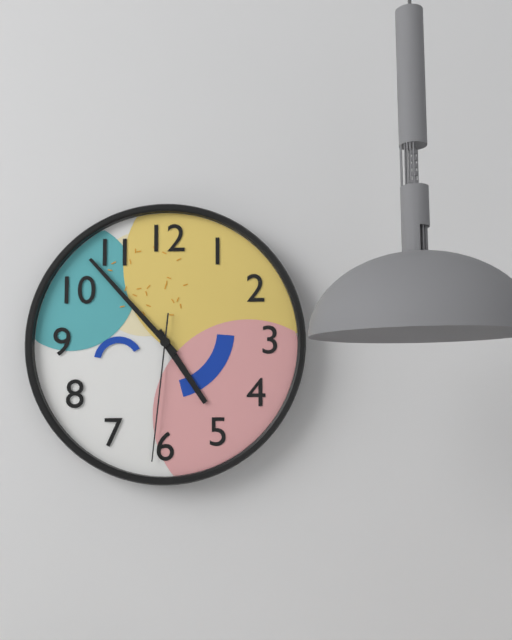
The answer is h=4 m=53 s=31
